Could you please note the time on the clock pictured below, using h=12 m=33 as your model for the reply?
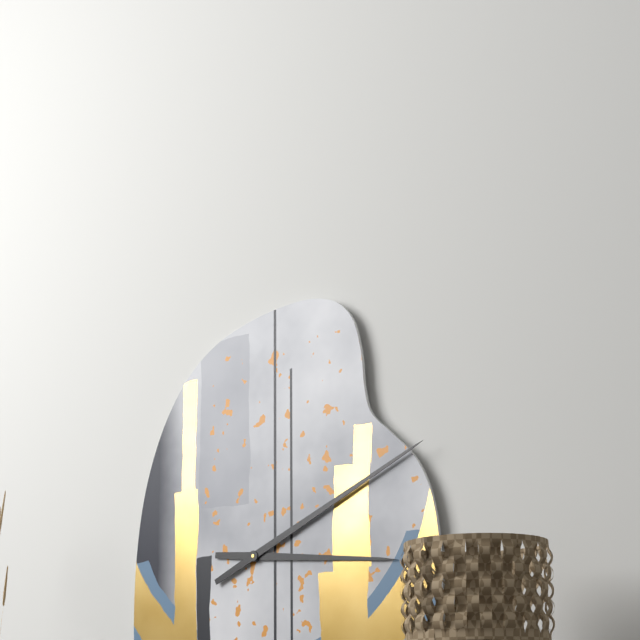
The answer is h=3 m=11
